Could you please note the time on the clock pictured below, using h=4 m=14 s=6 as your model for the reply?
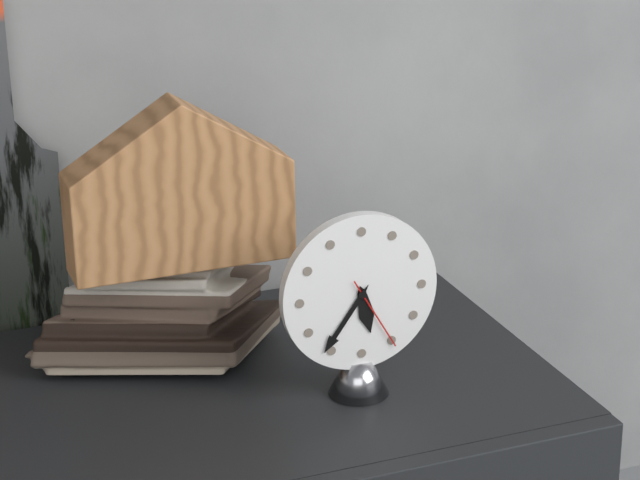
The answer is h=5 m=36 s=25
